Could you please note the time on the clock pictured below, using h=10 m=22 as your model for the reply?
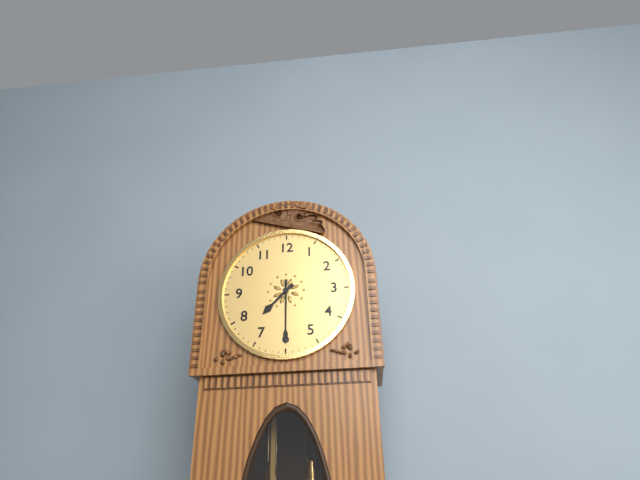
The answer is h=7 m=30
